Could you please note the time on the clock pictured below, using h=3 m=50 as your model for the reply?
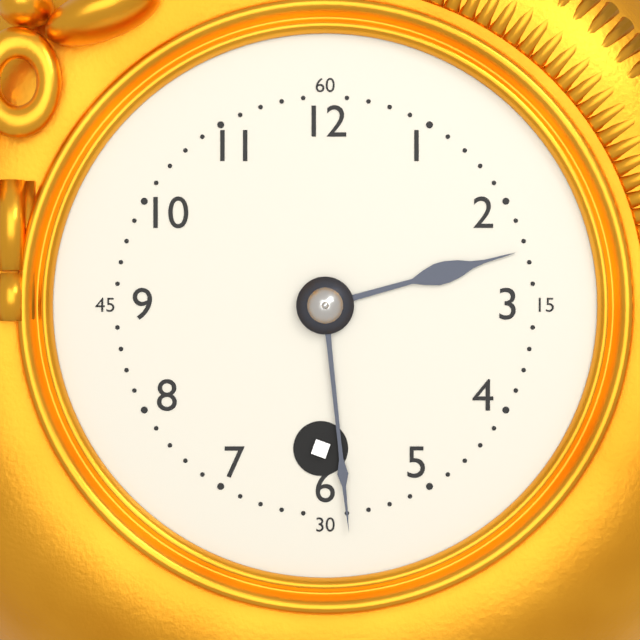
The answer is h=2 m=29
